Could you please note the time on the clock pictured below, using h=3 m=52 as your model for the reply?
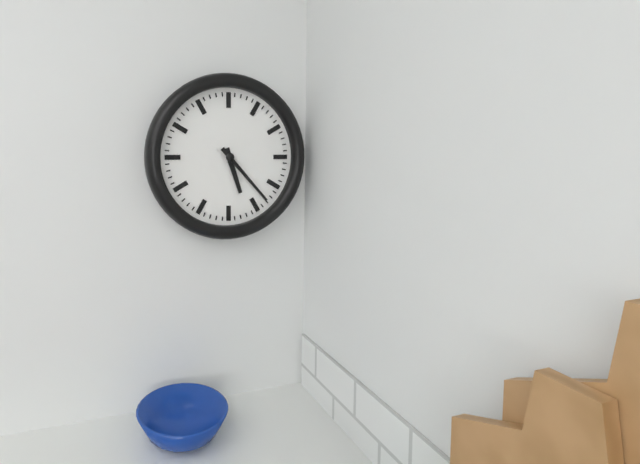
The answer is h=5 m=23
